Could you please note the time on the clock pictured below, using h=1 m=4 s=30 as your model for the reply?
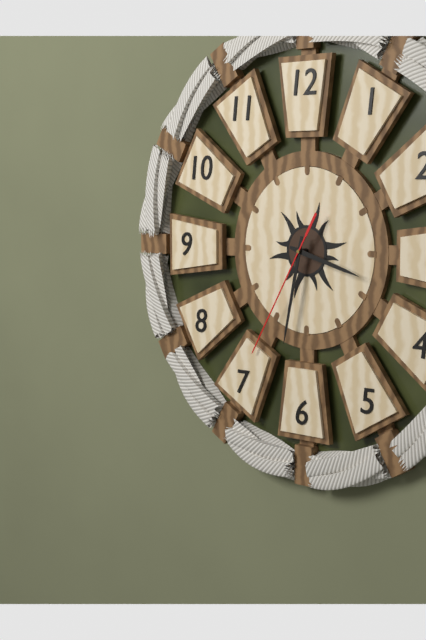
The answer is h=3 m=32 s=35
